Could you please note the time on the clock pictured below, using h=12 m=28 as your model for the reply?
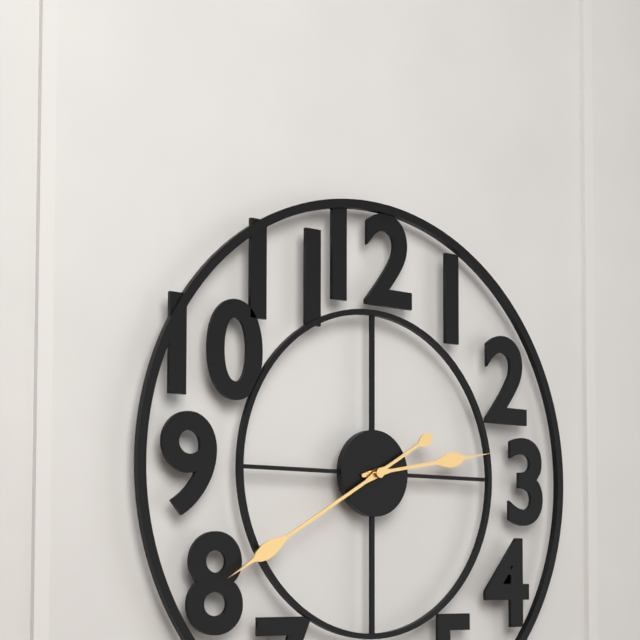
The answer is h=2 m=40
